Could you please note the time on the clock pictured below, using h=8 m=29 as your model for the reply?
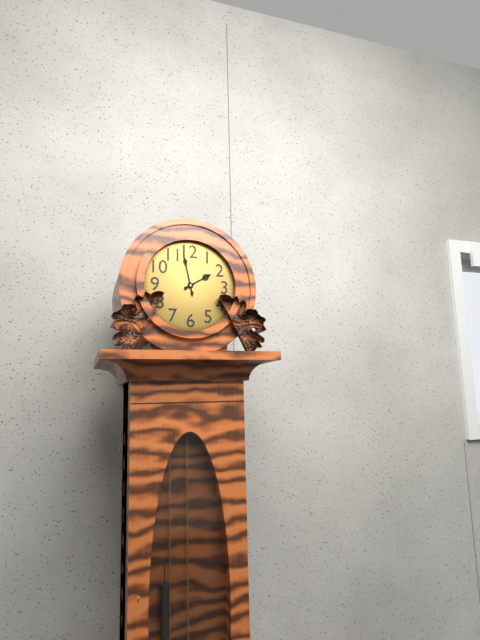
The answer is h=1 m=58
